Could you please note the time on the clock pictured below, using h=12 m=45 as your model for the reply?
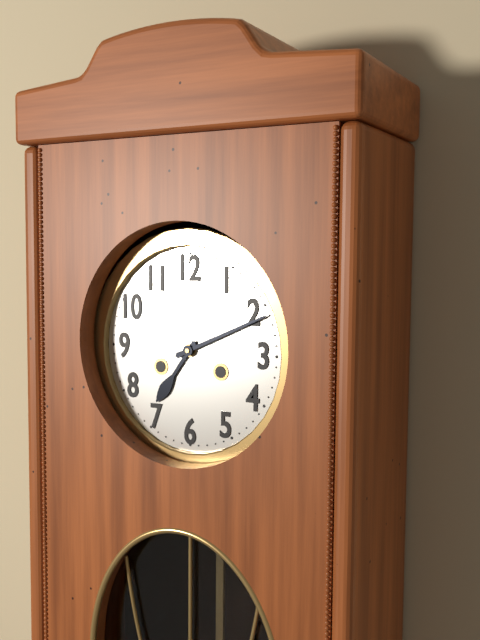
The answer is h=7 m=11
